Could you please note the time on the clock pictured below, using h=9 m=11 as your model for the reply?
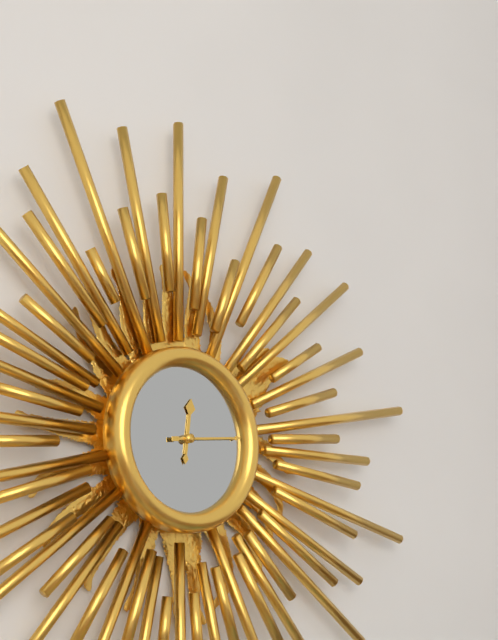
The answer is h=12 m=14
